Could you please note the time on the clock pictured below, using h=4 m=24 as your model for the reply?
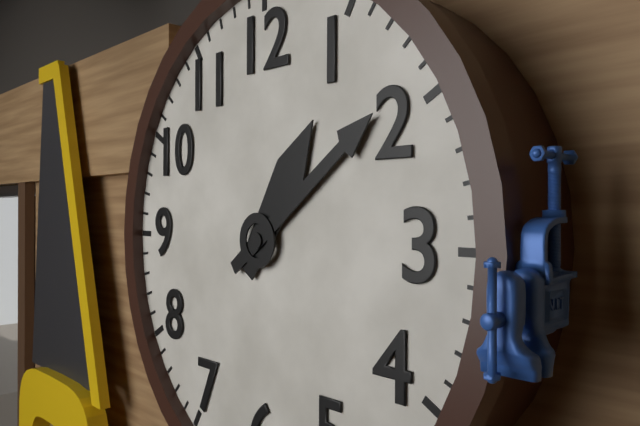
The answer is h=1 m=9
